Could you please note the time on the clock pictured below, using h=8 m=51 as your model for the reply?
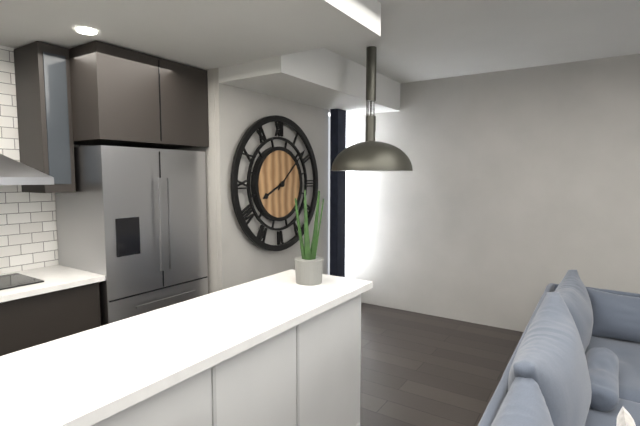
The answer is h=8 m=8
